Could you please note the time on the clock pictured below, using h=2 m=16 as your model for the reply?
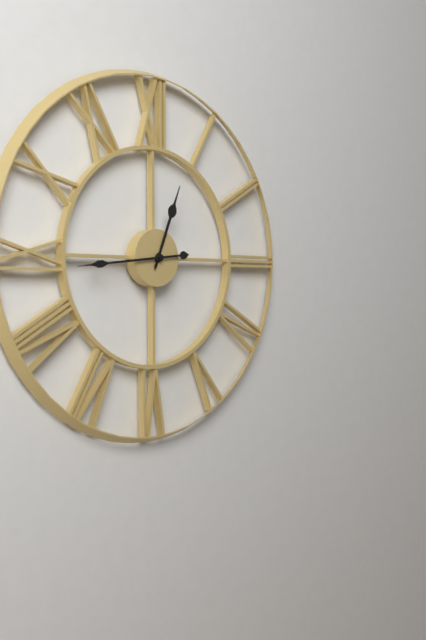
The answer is h=12 m=44
